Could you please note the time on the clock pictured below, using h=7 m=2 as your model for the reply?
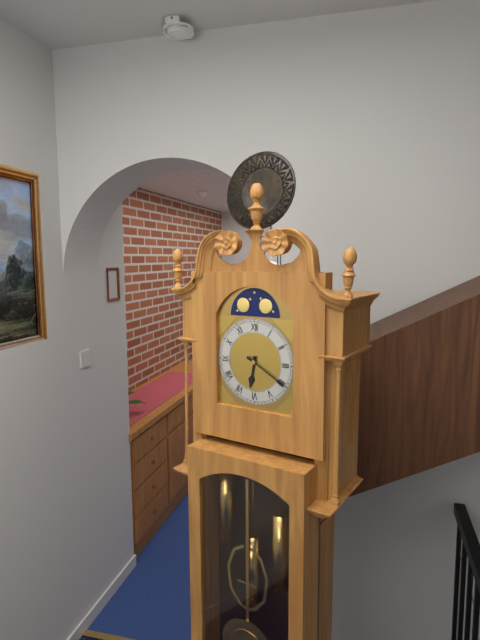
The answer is h=6 m=20
